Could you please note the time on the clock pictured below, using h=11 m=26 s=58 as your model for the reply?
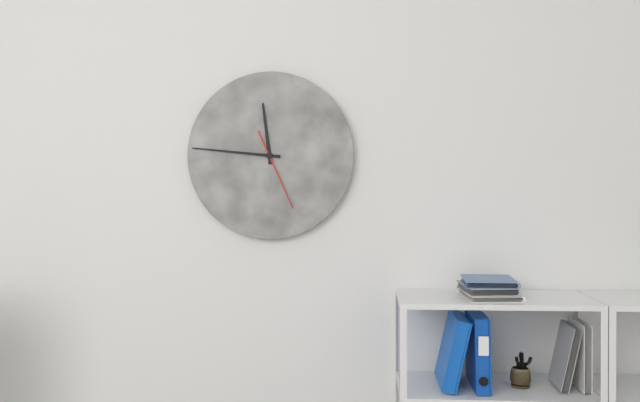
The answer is h=11 m=46 s=26
